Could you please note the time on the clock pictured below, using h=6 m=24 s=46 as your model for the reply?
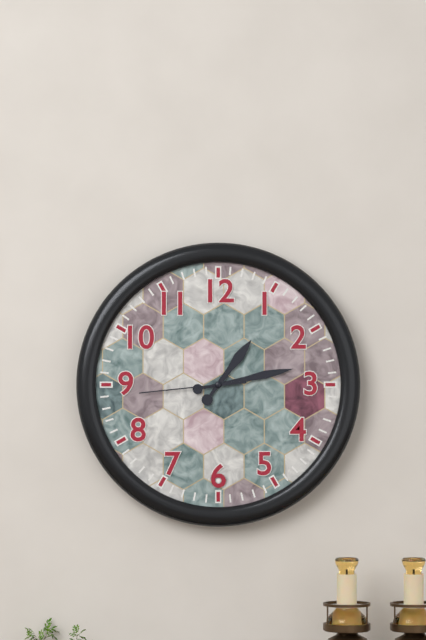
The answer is h=1 m=13 s=44
